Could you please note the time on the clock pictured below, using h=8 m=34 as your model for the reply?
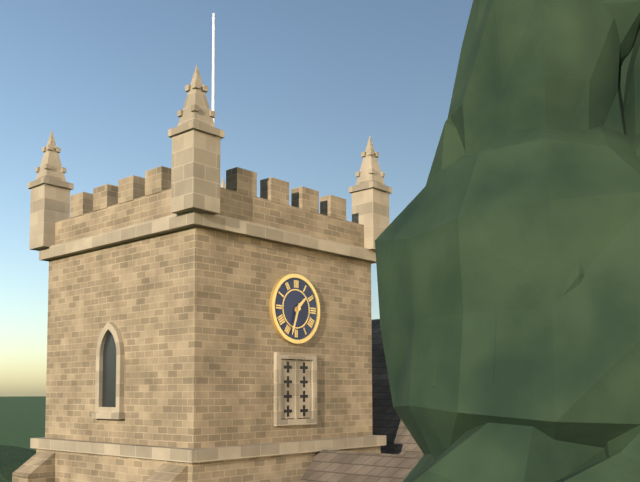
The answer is h=1 m=33
